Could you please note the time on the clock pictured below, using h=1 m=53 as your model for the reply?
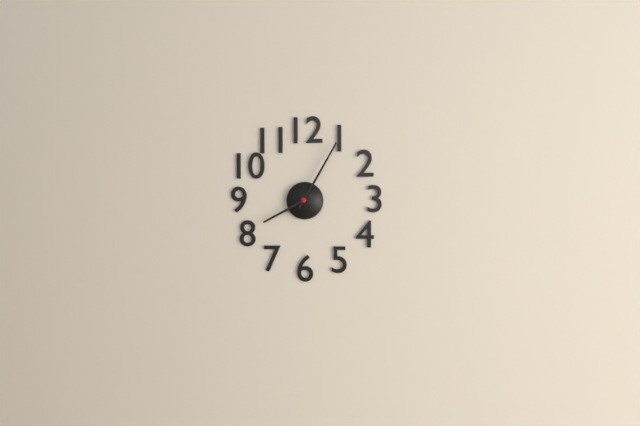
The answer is h=8 m=5
